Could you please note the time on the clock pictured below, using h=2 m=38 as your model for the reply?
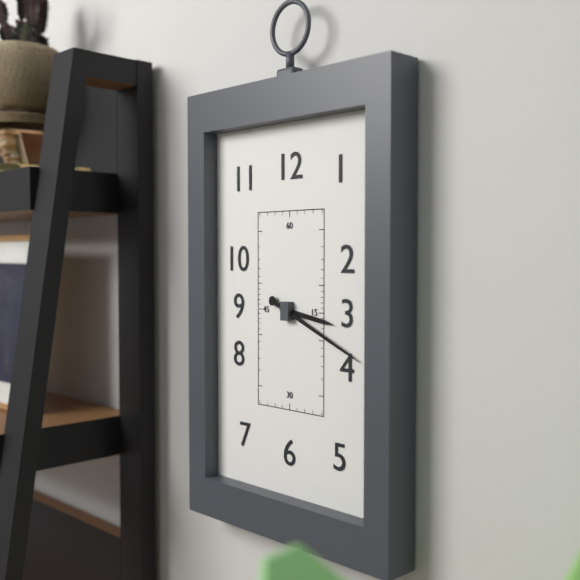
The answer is h=3 m=19
